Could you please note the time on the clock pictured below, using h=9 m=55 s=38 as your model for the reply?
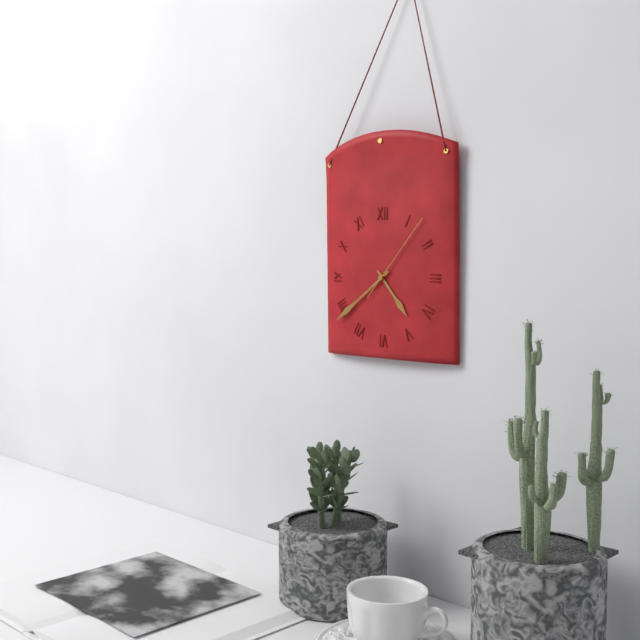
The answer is h=4 m=39 s=7
